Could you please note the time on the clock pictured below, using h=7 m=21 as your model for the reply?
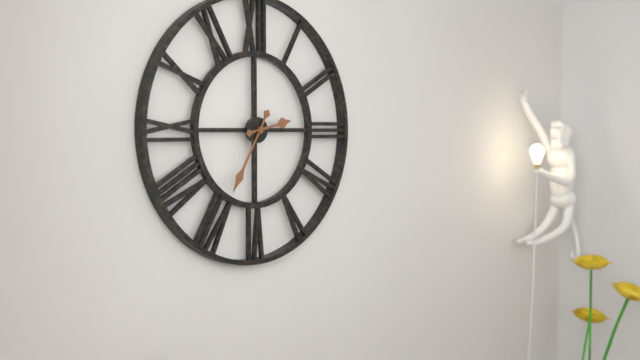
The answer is h=2 m=35
